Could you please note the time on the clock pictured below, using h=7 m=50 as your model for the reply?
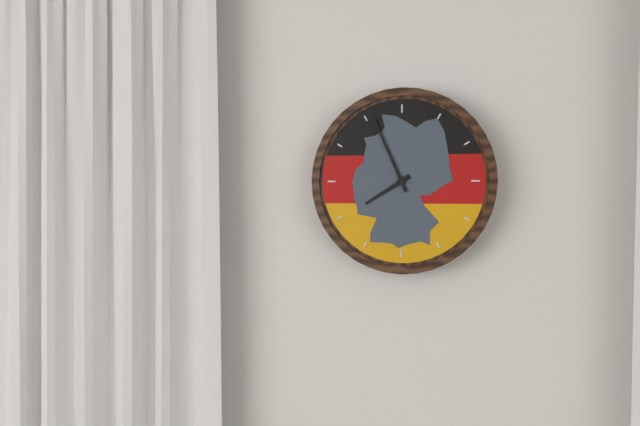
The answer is h=7 m=56
